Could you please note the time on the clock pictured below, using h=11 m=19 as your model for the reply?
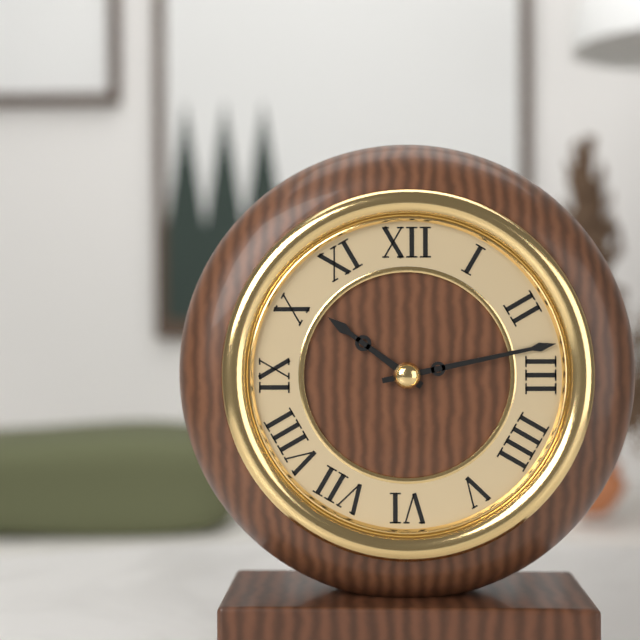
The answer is h=10 m=13
